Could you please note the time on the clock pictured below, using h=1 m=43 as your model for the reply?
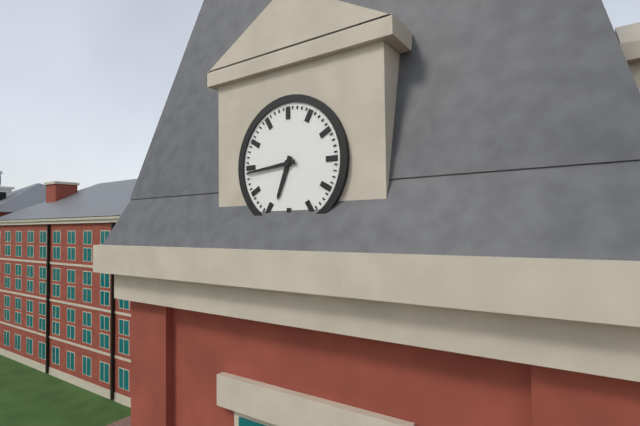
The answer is h=6 m=44
